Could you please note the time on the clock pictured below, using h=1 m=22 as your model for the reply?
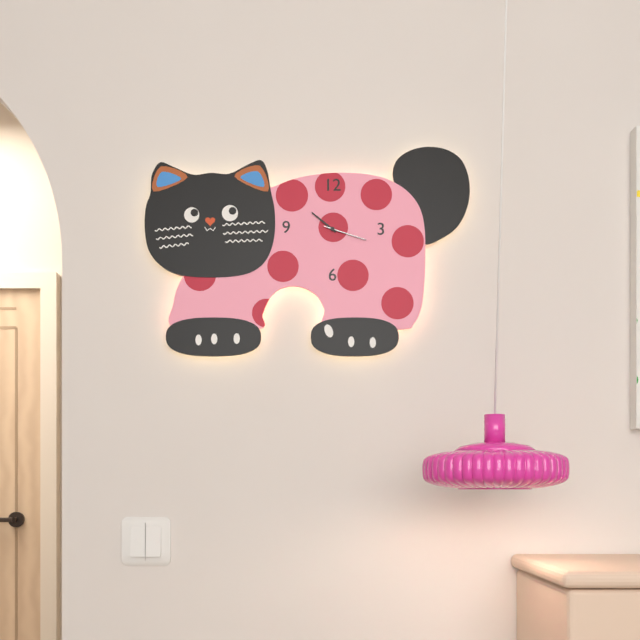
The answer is h=10 m=18
